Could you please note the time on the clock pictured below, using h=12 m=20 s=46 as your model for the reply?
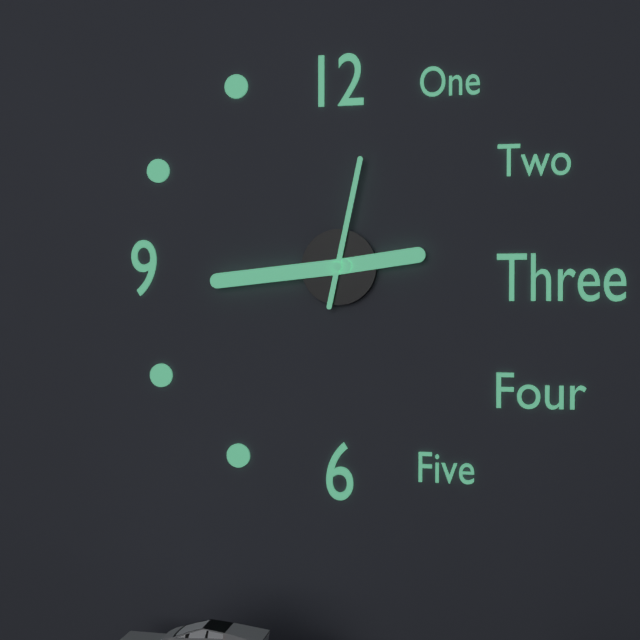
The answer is h=2 m=44 s=2
